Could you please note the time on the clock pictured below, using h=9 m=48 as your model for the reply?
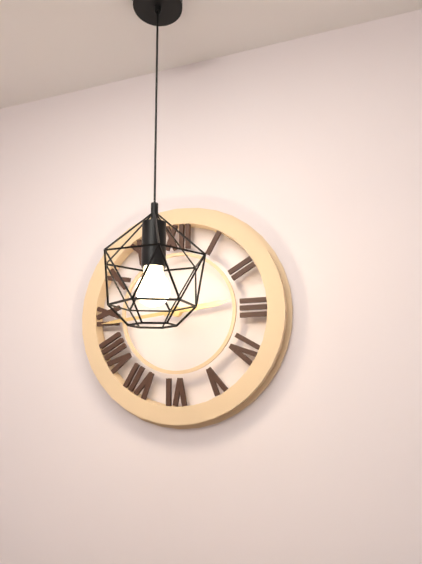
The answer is h=2 m=44
